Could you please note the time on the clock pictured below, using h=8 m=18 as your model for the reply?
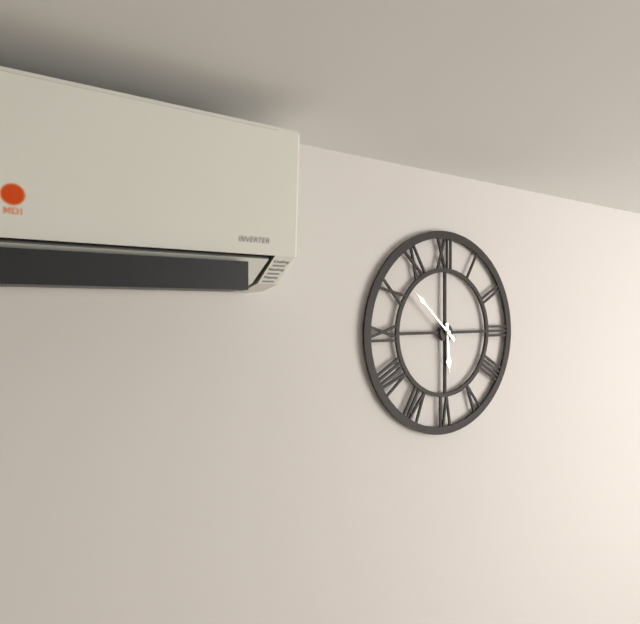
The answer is h=5 m=52
